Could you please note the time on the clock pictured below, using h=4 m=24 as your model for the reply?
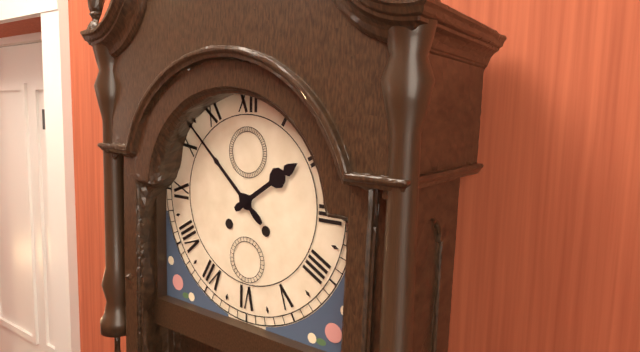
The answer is h=1 m=52
